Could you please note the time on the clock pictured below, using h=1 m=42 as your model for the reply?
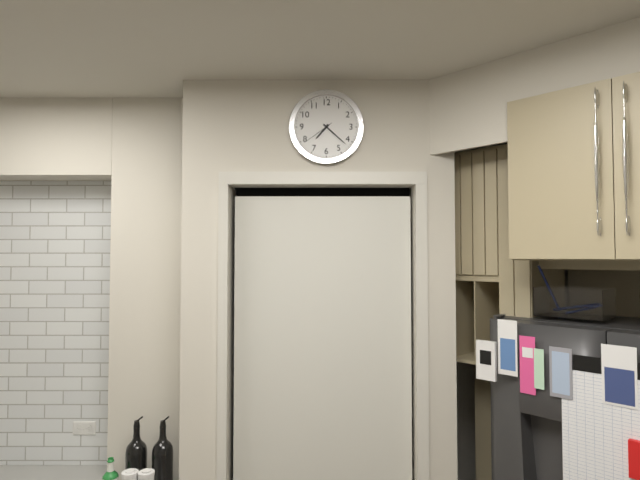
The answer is h=7 m=22
